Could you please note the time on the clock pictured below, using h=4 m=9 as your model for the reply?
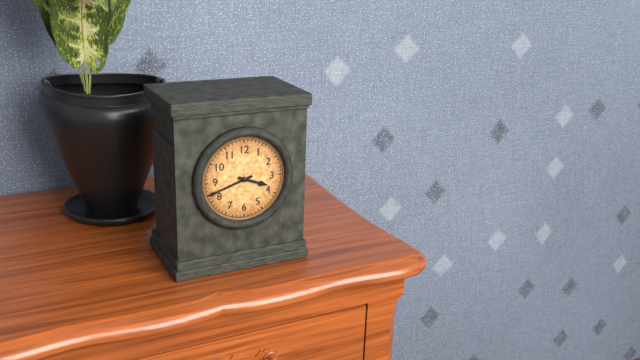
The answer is h=3 m=42
